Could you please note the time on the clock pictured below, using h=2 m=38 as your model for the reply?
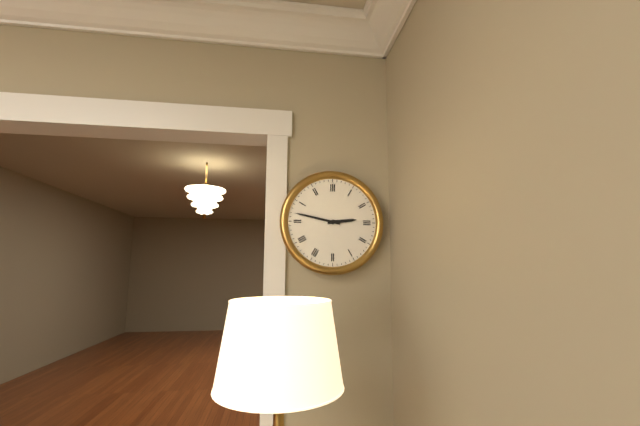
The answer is h=2 m=47
